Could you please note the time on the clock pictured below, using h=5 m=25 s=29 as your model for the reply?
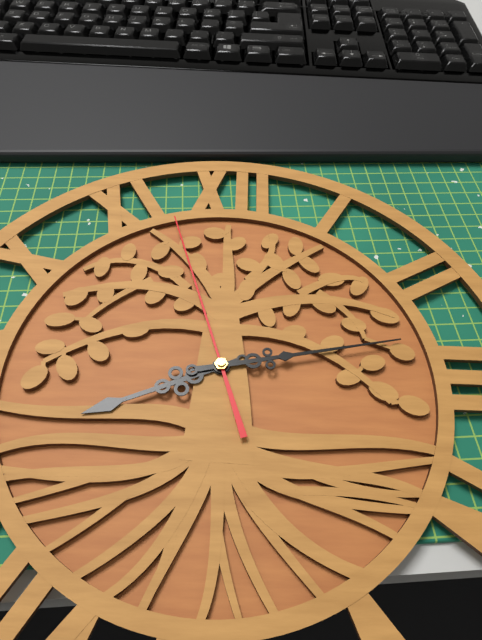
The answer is h=8 m=13 s=57
